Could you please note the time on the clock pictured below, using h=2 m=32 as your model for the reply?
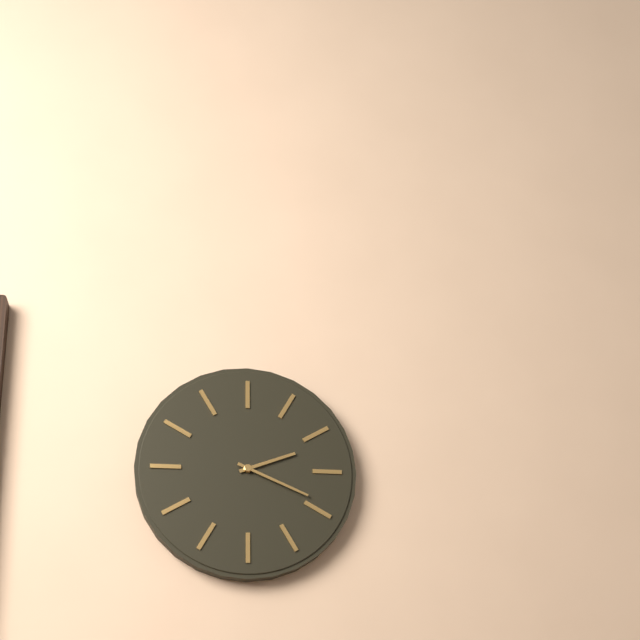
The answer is h=2 m=19
